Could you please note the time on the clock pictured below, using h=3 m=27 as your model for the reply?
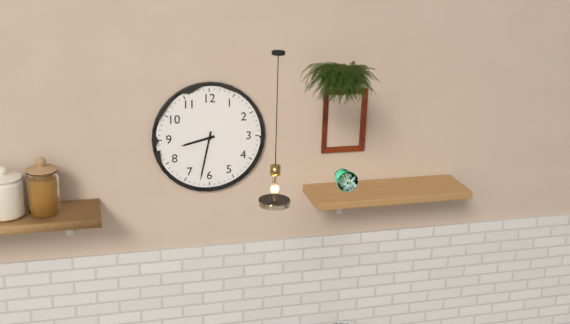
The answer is h=8 m=32
